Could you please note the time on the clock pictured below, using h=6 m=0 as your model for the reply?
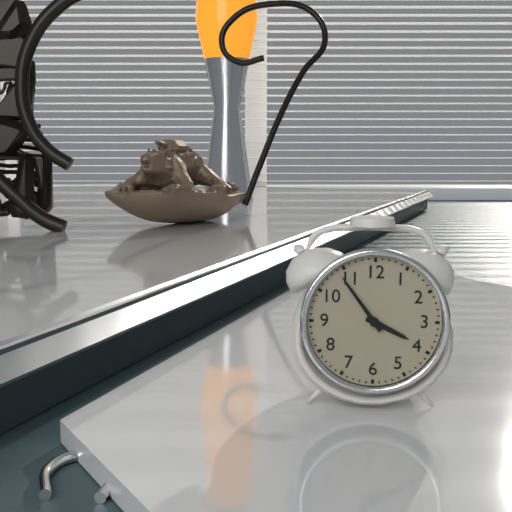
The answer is h=3 m=54
